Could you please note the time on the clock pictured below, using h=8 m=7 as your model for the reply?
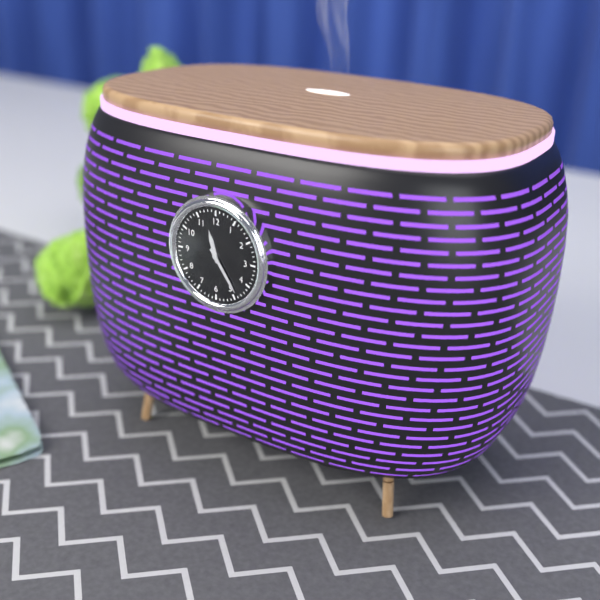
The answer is h=11 m=24
